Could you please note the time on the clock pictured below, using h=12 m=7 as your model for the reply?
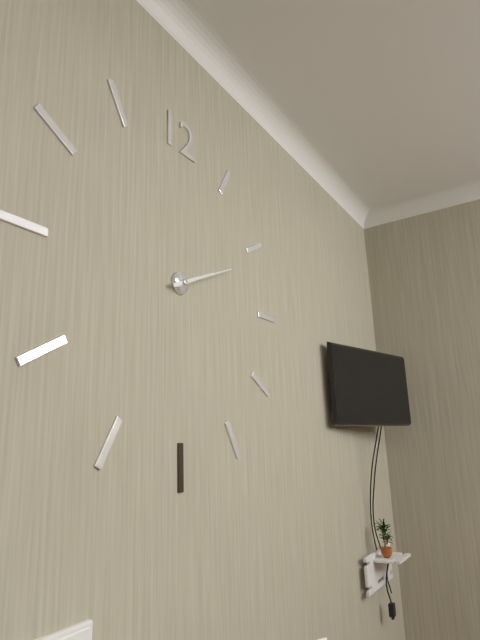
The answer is h=2 m=11
